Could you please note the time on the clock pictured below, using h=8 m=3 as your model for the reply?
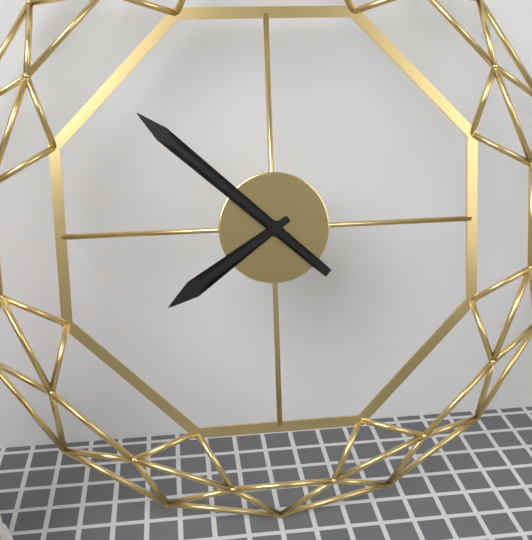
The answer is h=7 m=52
